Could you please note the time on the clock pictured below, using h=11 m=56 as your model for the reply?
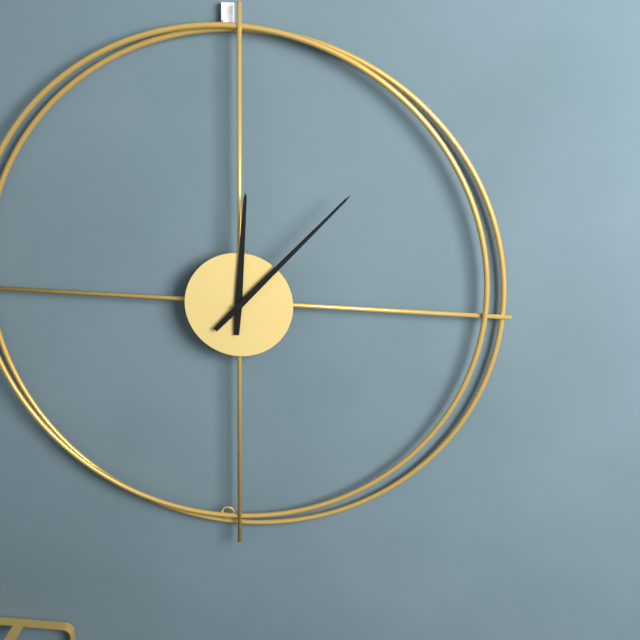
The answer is h=12 m=7
